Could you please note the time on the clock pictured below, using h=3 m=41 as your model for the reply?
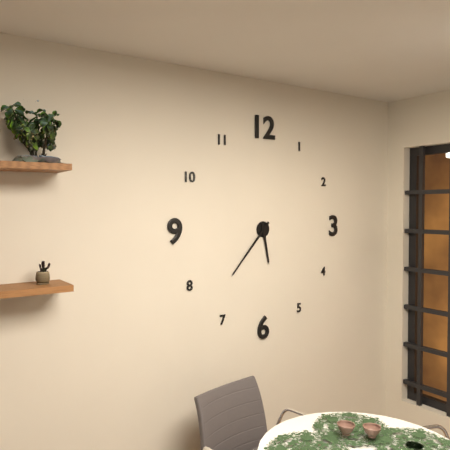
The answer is h=5 m=37
